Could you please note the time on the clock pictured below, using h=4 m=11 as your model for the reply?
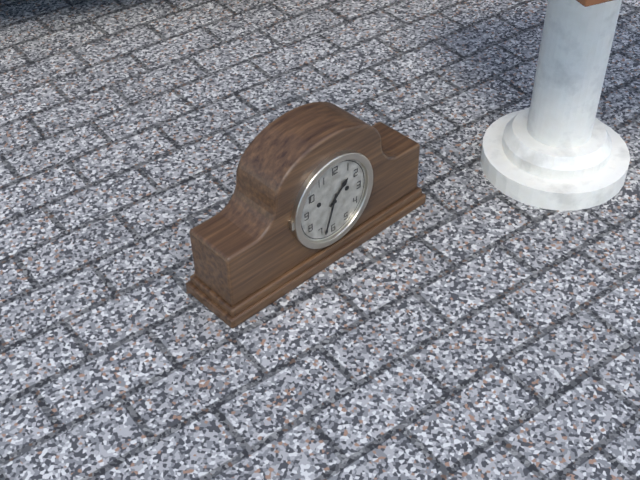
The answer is h=1 m=33
